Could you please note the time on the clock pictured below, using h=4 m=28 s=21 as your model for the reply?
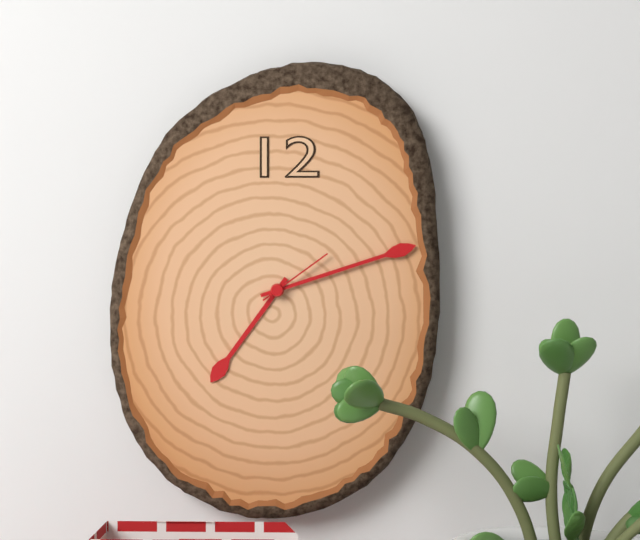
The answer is h=7 m=12 s=9
